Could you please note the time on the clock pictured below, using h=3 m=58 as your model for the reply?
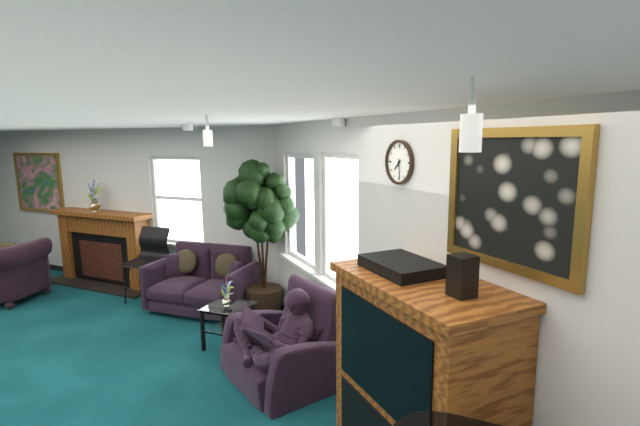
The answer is h=7 m=29
